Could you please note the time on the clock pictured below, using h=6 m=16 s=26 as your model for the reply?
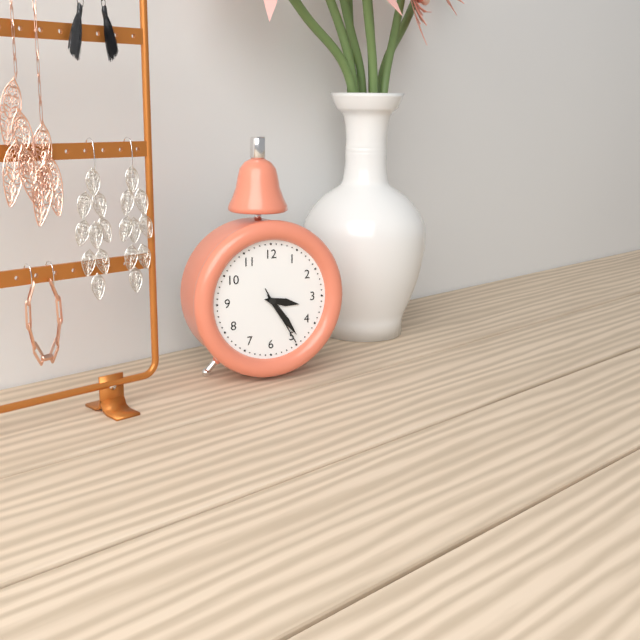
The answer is h=3 m=24 s=25
